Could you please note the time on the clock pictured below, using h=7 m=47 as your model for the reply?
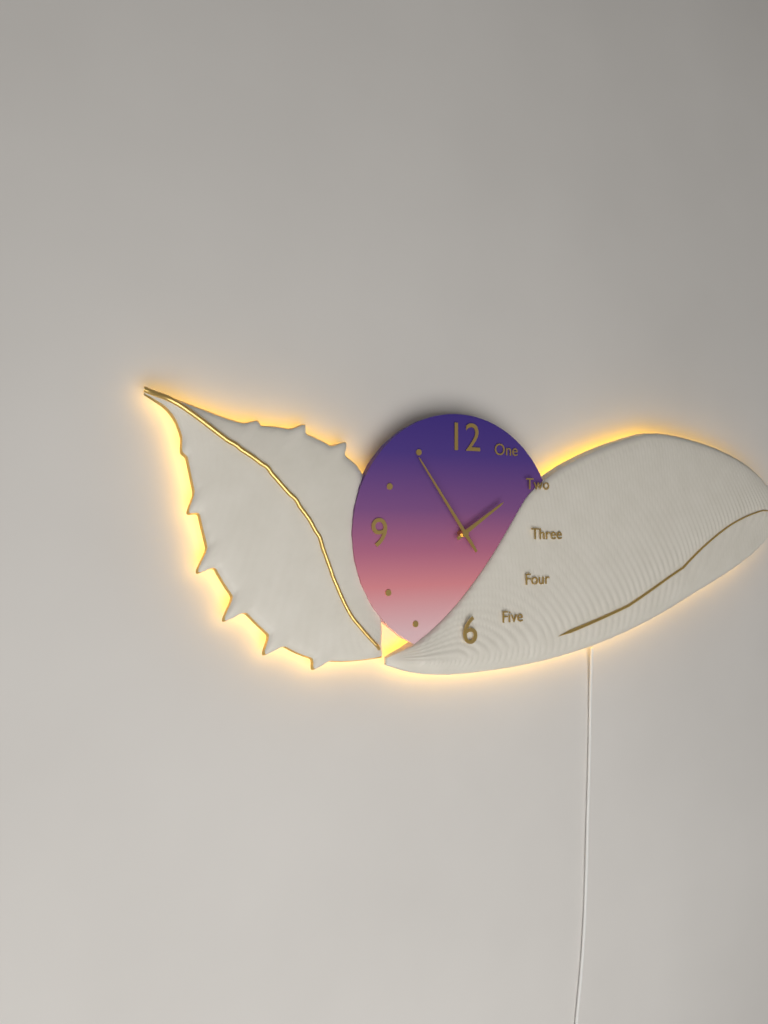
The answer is h=1 m=54
